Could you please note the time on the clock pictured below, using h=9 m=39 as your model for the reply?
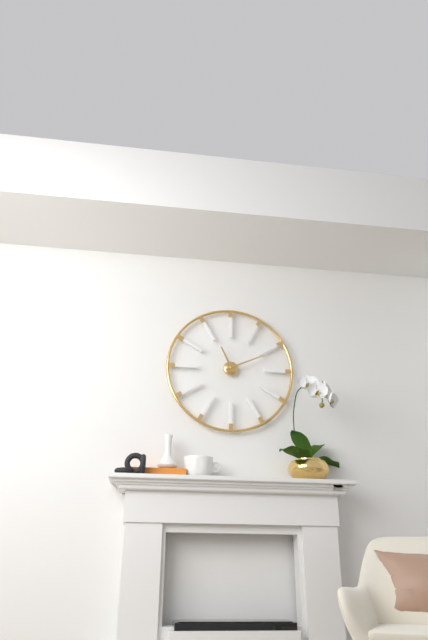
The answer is h=11 m=11
